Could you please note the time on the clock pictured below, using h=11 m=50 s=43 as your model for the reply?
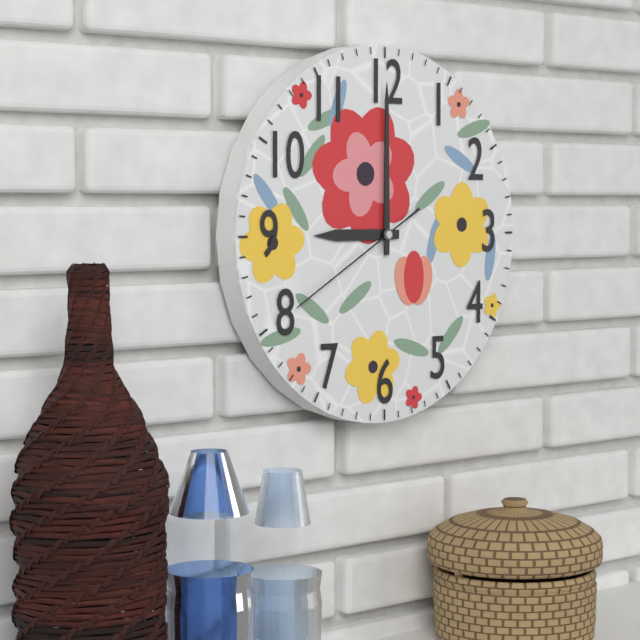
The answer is h=9 m=0 s=40
